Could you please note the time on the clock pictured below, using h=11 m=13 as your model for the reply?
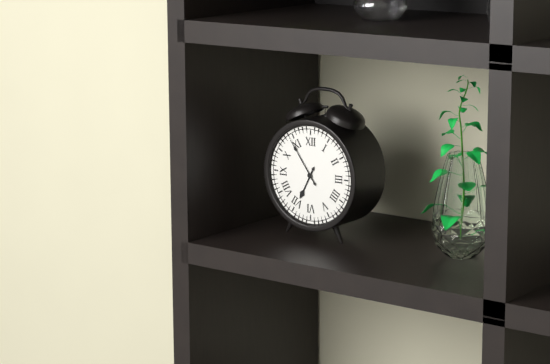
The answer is h=6 m=54
